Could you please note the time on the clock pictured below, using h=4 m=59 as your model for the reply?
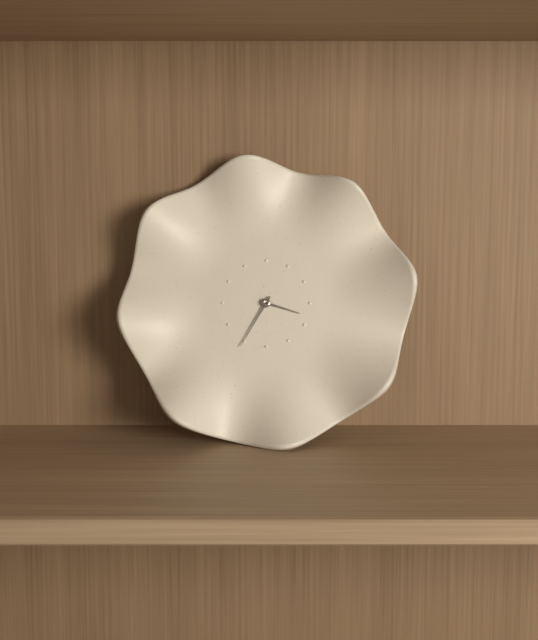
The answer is h=3 m=35
